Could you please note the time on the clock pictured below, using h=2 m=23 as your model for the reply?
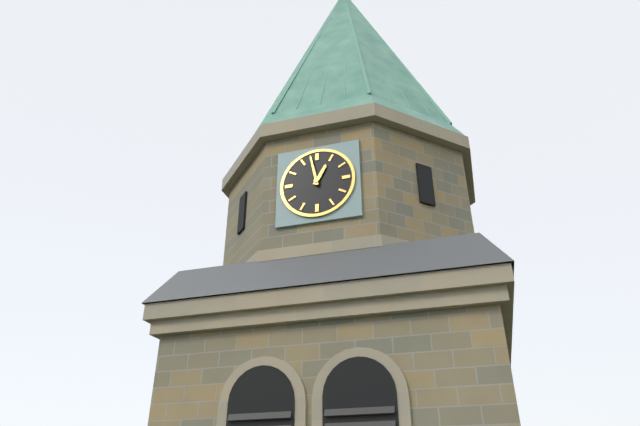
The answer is h=12 m=58
